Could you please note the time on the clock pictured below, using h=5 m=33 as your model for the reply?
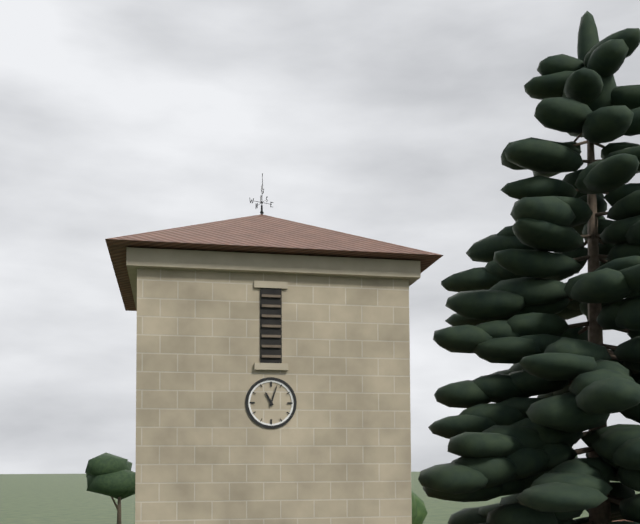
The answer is h=11 m=3
